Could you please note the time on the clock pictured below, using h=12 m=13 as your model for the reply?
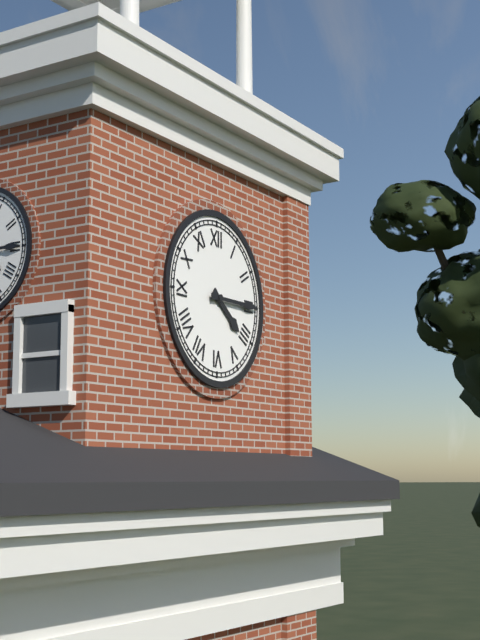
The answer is h=4 m=15
